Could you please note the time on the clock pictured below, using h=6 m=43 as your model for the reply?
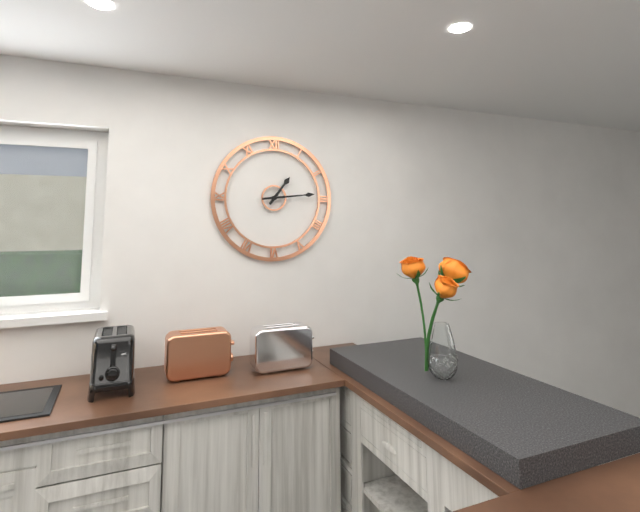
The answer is h=1 m=14
